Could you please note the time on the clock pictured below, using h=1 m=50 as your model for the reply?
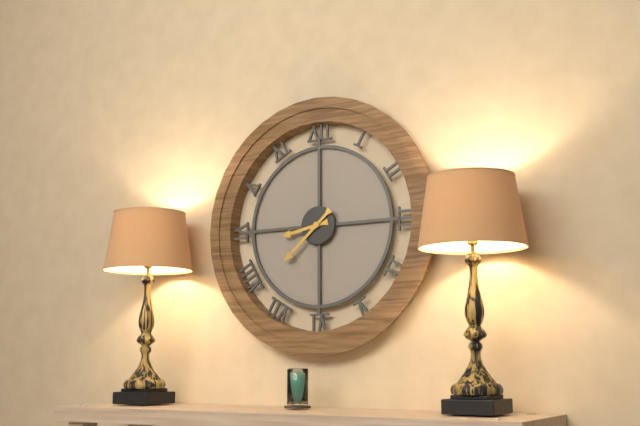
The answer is h=8 m=38
